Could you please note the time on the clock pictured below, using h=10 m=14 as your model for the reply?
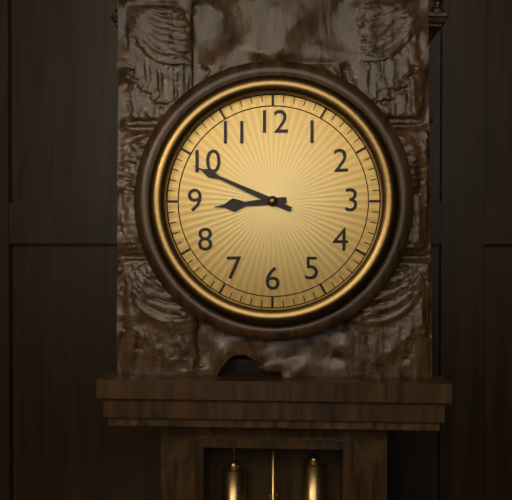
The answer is h=8 m=49
